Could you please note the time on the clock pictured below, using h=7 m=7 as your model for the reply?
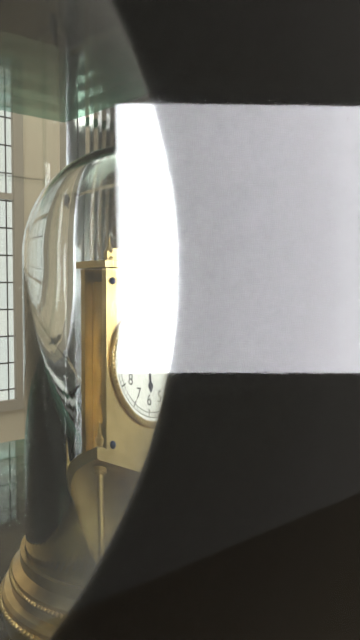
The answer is h=5 m=49
